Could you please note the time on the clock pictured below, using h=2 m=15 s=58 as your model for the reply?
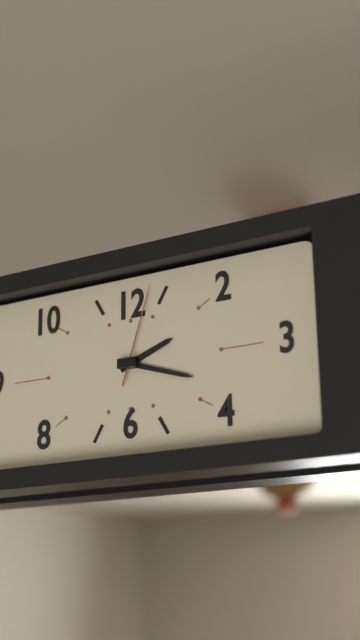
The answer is h=2 m=18 s=3
